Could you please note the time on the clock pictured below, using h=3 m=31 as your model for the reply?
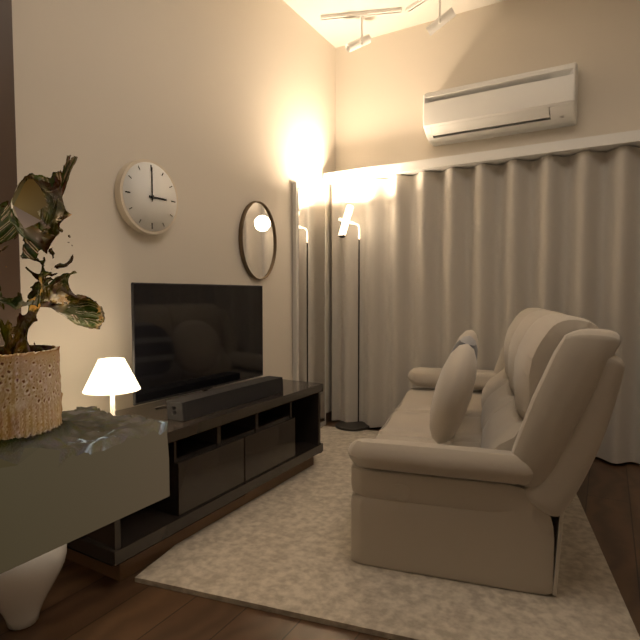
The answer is h=3 m=0
